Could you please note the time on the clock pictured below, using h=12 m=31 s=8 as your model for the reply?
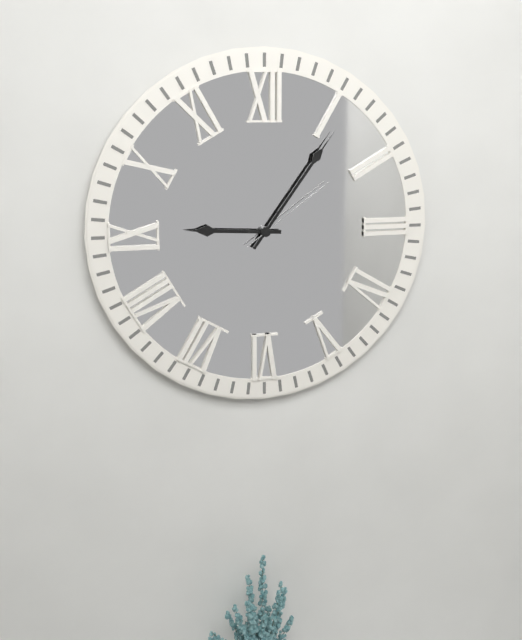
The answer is h=9 m=6 s=9
